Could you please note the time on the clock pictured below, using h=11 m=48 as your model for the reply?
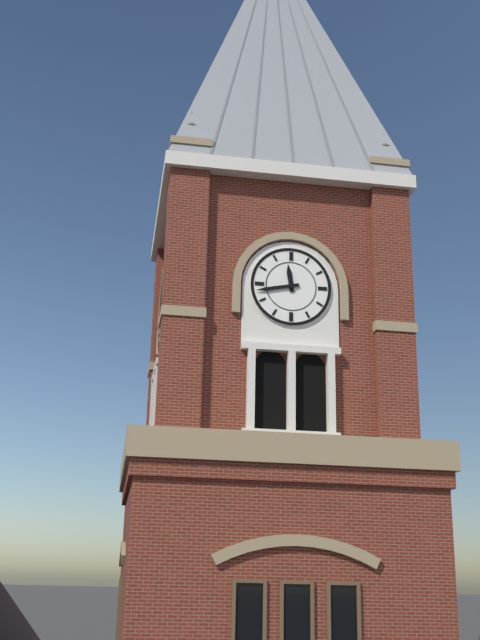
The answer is h=11 m=43
